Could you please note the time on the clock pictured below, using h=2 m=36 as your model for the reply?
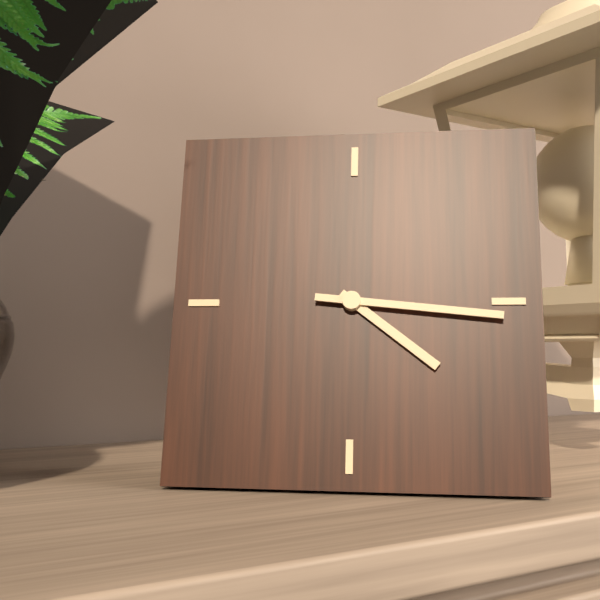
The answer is h=4 m=16
